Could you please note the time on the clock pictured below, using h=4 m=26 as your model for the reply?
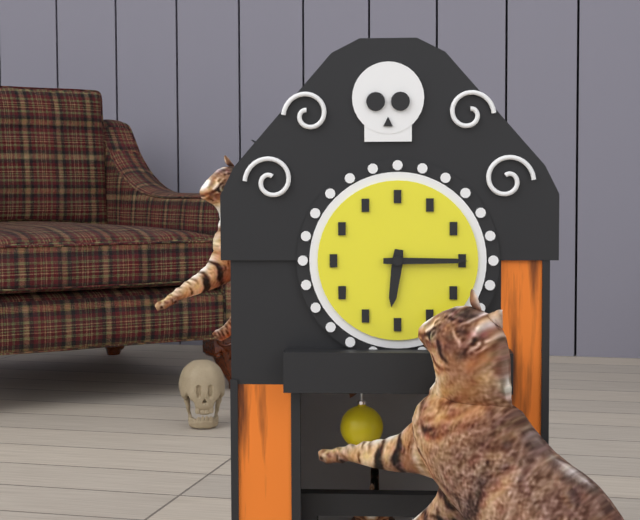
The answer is h=6 m=15
